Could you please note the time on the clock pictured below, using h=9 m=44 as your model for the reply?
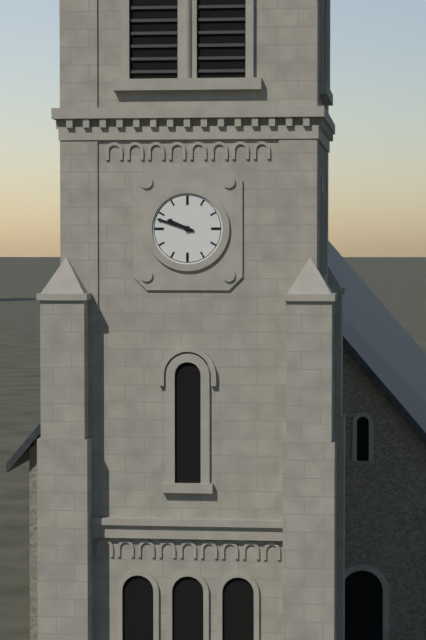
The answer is h=9 m=48
